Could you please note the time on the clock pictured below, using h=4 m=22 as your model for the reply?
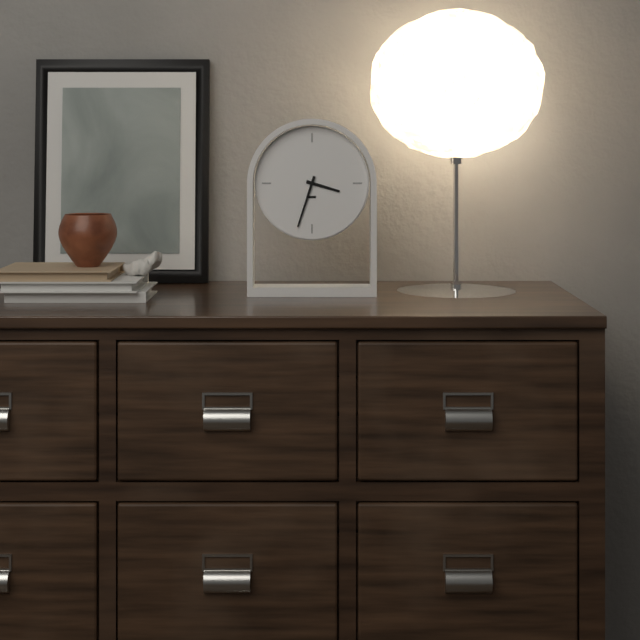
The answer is h=3 m=33
